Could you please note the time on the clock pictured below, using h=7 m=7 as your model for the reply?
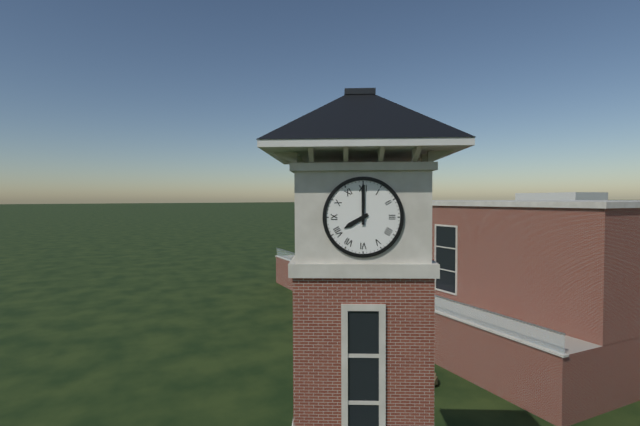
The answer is h=8 m=0
